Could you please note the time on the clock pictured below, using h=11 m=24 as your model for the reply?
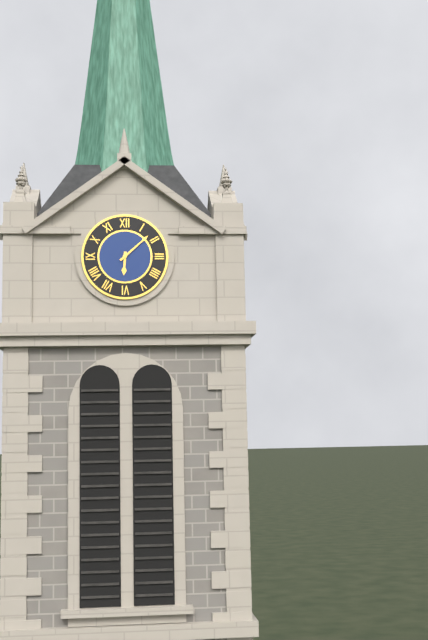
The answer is h=6 m=8
